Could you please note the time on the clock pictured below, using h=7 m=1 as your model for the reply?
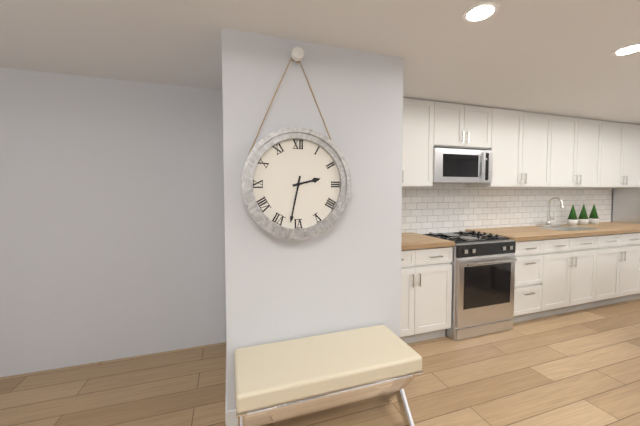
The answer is h=2 m=32
